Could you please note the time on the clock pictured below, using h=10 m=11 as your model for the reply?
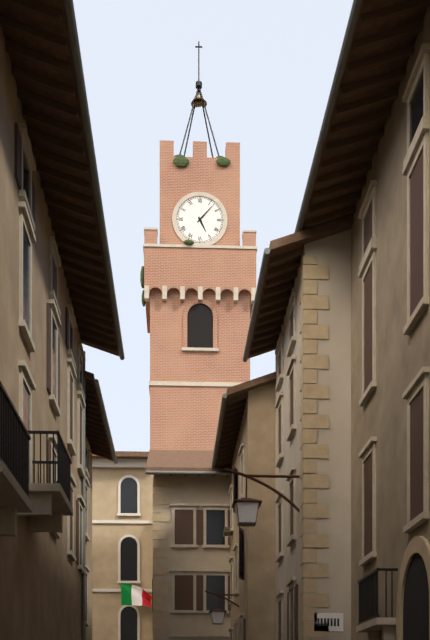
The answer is h=5 m=7
